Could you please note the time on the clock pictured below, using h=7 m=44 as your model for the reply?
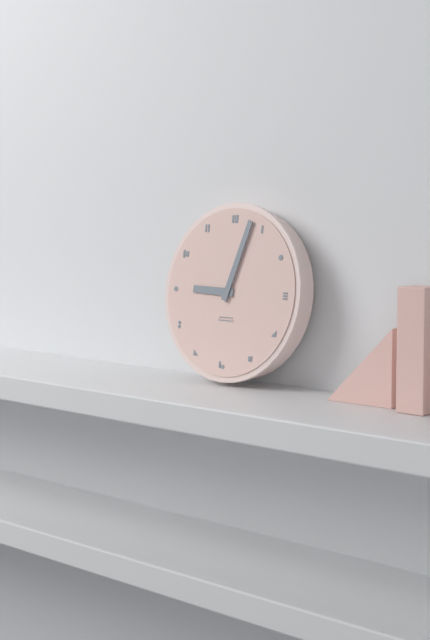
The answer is h=9 m=3
